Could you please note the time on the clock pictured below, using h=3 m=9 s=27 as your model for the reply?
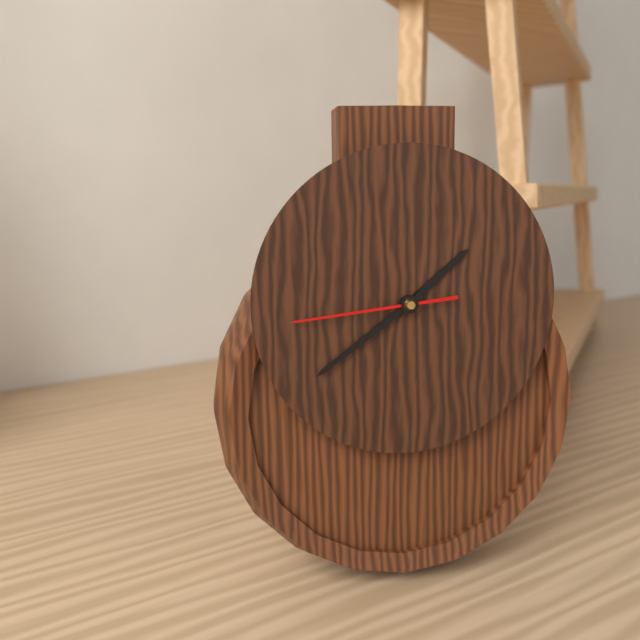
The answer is h=1 m=39 s=44
